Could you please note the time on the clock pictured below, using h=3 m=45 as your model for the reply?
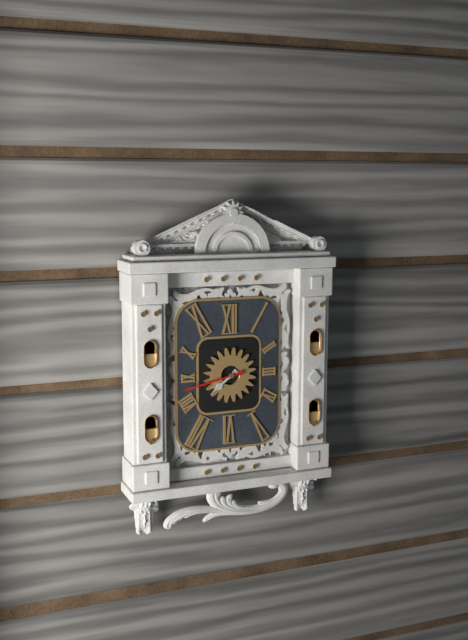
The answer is h=7 m=43
